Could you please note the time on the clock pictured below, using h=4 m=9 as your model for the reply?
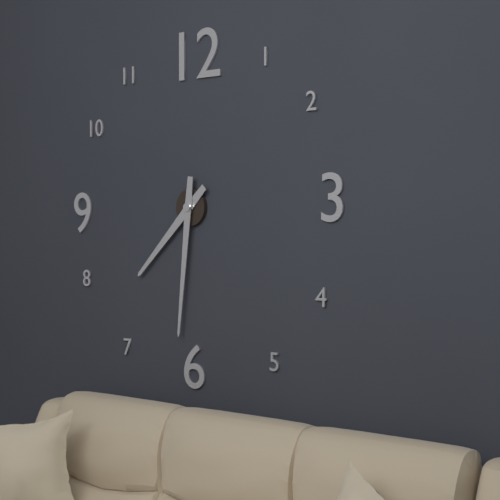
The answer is h=7 m=31
